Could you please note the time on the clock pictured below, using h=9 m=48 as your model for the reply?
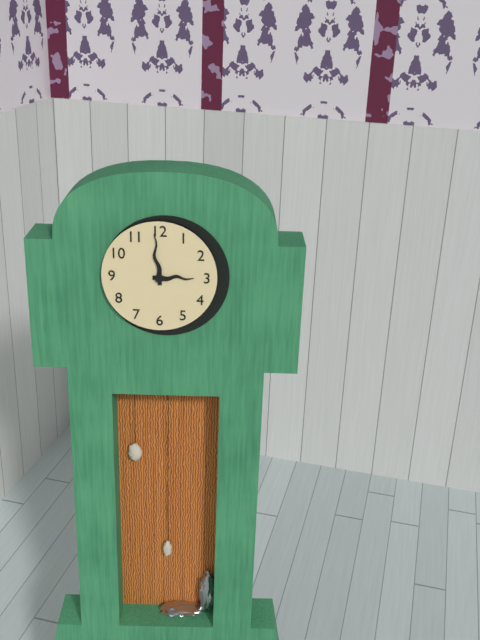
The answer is h=2 m=59
